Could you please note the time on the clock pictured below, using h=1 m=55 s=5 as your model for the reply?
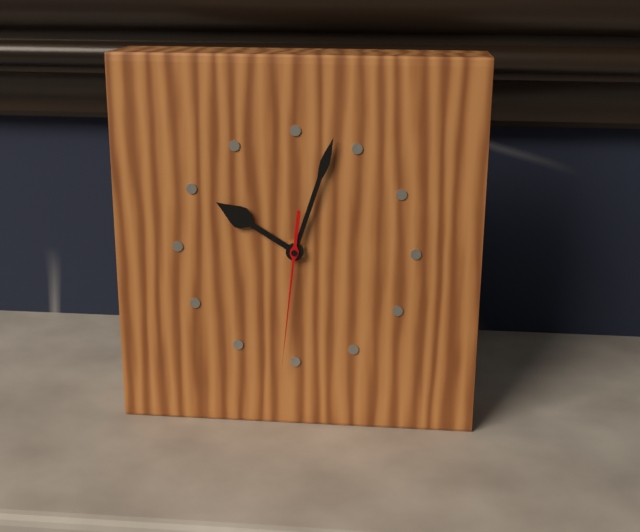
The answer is h=10 m=3 s=31
